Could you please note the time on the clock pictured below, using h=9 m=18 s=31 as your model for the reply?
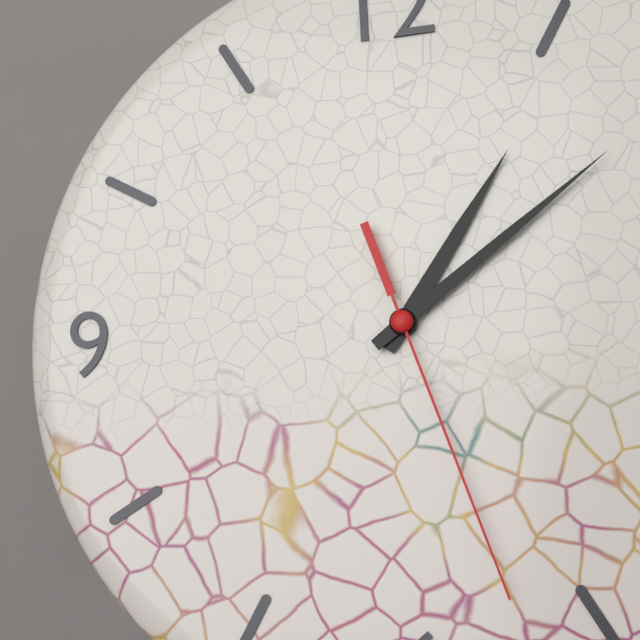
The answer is h=1 m=9 s=27
